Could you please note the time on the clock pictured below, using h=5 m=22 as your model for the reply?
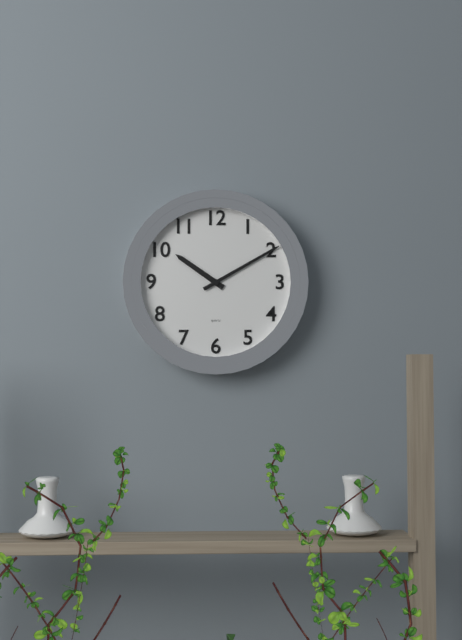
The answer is h=10 m=10
